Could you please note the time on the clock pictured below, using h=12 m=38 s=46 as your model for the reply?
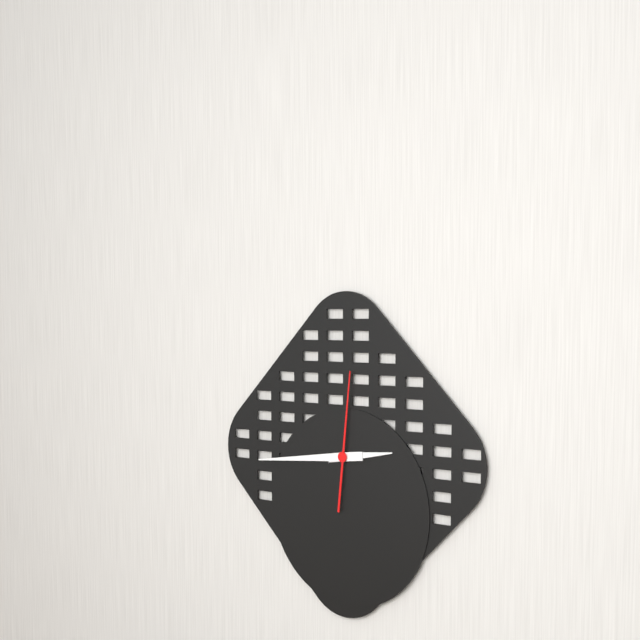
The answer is h=2 m=44 s=1
